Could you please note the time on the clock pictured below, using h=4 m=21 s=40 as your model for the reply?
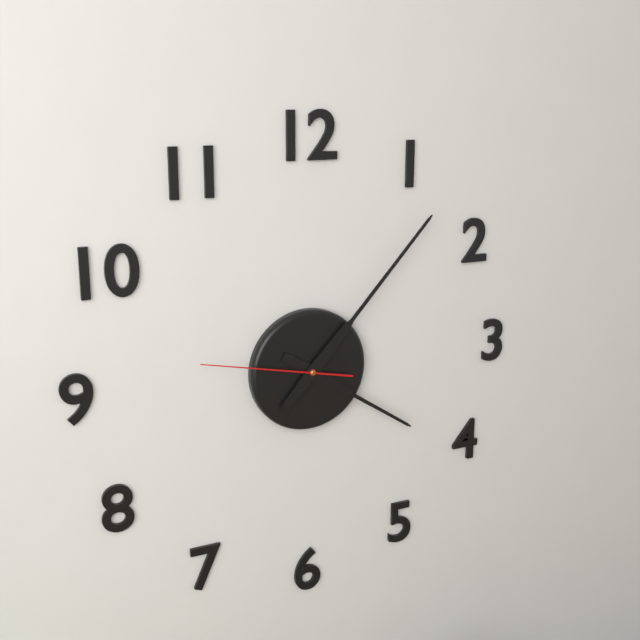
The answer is h=4 m=7 s=47
